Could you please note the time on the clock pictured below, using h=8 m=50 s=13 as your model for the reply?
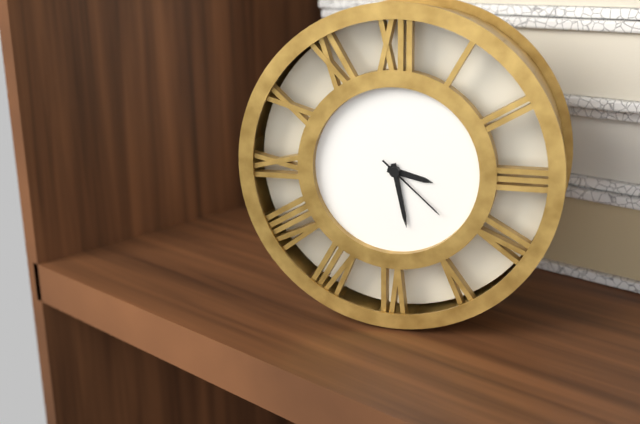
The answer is h=3 m=28 s=22
